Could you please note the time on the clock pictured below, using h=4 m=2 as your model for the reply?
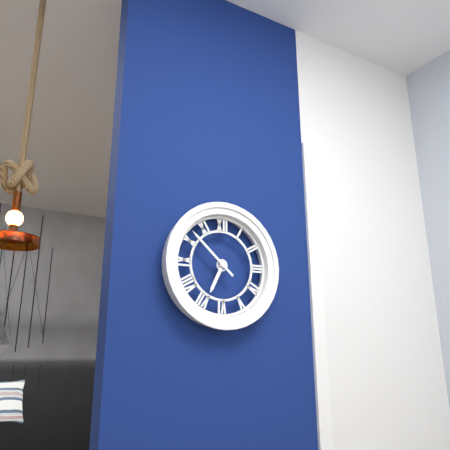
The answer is h=6 m=52
